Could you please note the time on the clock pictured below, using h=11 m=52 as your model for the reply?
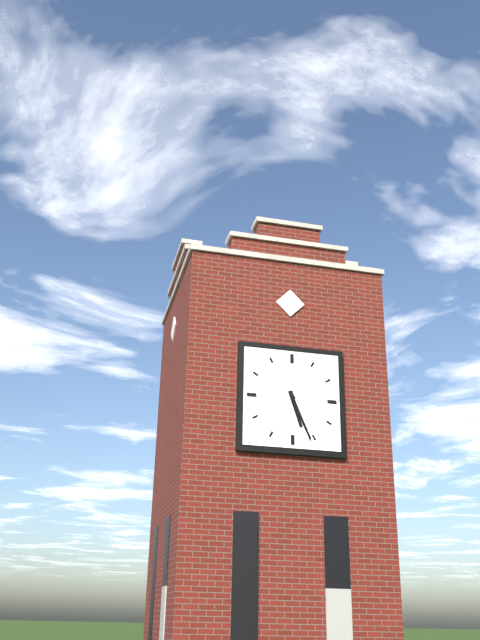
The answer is h=5 m=26
